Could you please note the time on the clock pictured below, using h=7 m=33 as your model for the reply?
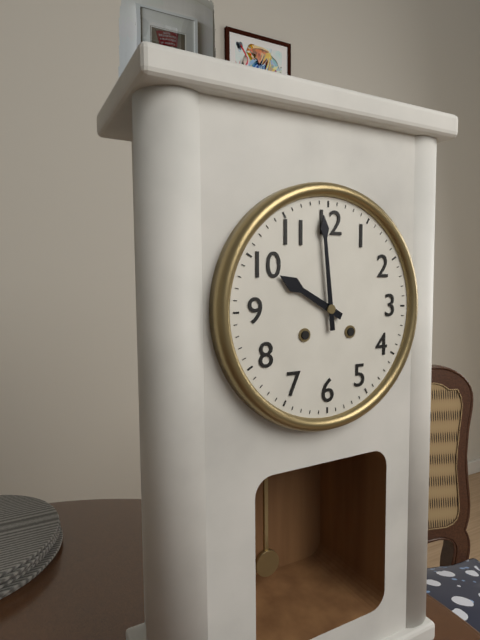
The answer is h=9 m=59
